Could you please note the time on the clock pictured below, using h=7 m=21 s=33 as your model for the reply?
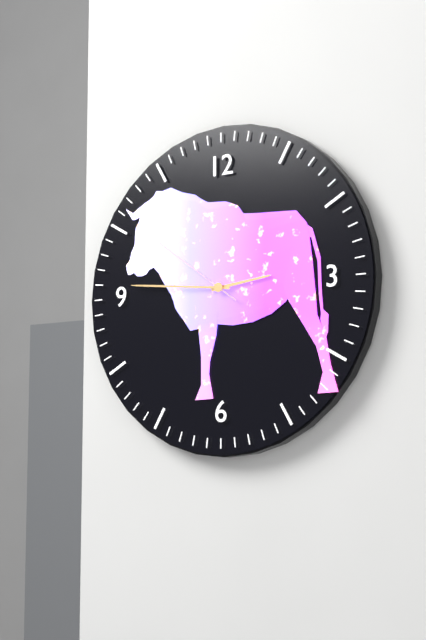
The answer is h=2 m=46 s=51
